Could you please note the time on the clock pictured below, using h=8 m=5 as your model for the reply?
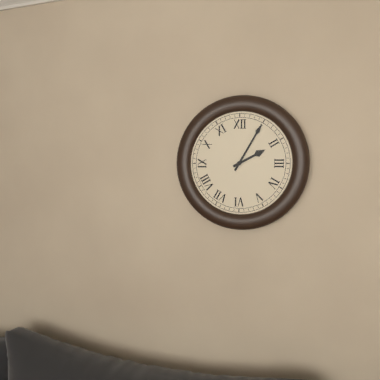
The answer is h=2 m=5
